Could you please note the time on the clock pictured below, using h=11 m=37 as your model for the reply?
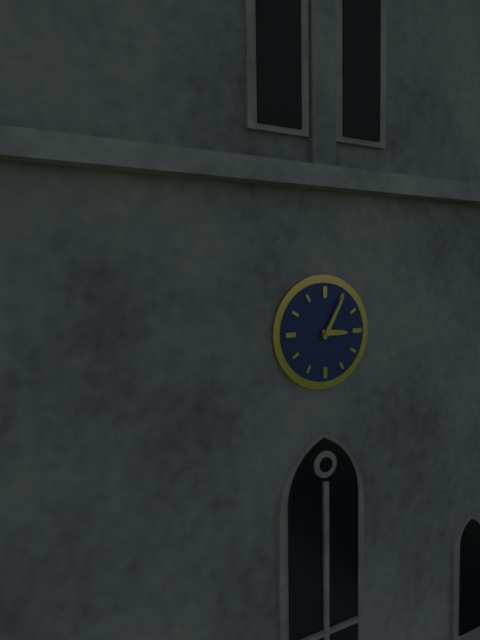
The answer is h=3 m=5
